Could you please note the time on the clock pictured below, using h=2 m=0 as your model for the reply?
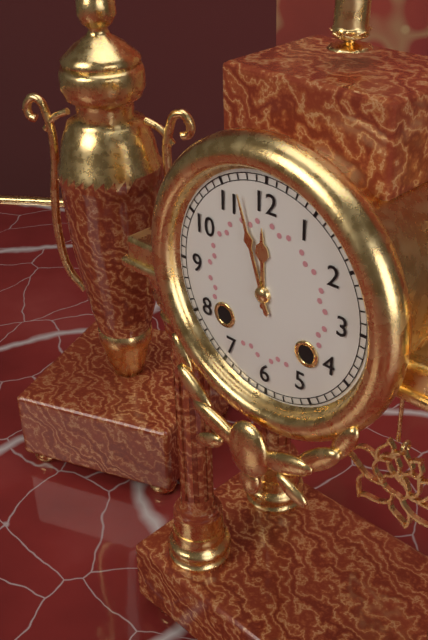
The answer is h=11 m=57
